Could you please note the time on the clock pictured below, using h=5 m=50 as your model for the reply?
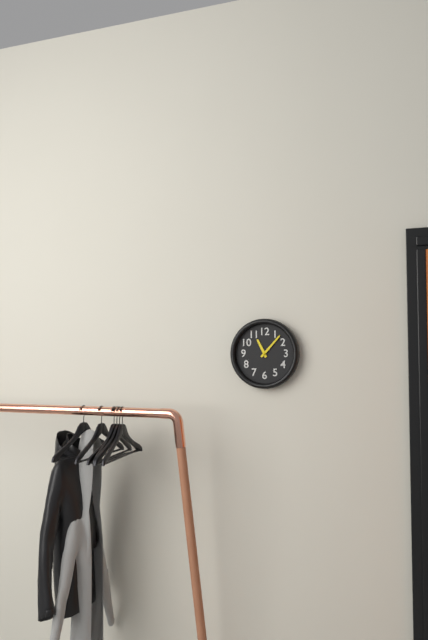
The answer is h=11 m=7
